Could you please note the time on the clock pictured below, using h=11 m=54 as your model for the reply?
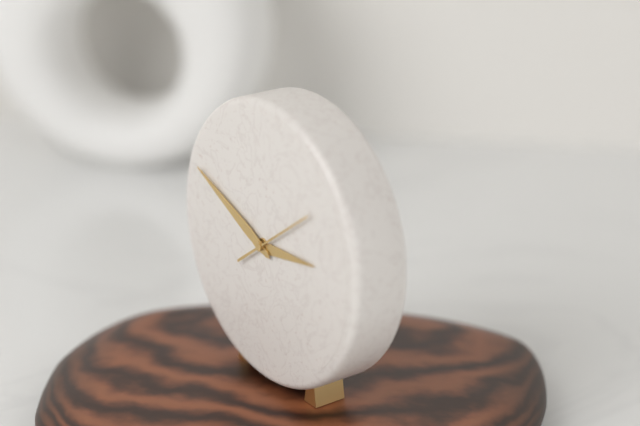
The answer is h=2 m=49
